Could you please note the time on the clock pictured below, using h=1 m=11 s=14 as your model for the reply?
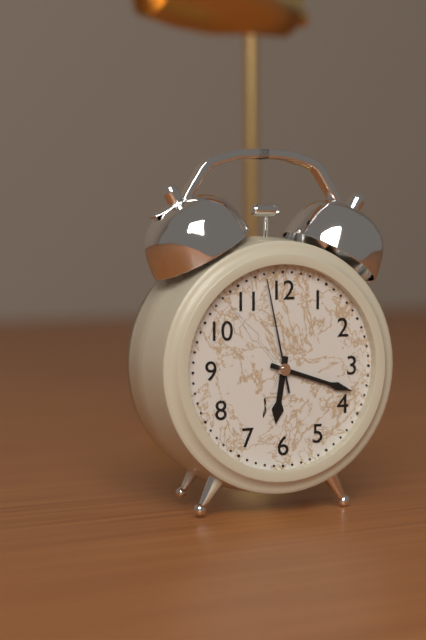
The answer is h=6 m=18 s=58
